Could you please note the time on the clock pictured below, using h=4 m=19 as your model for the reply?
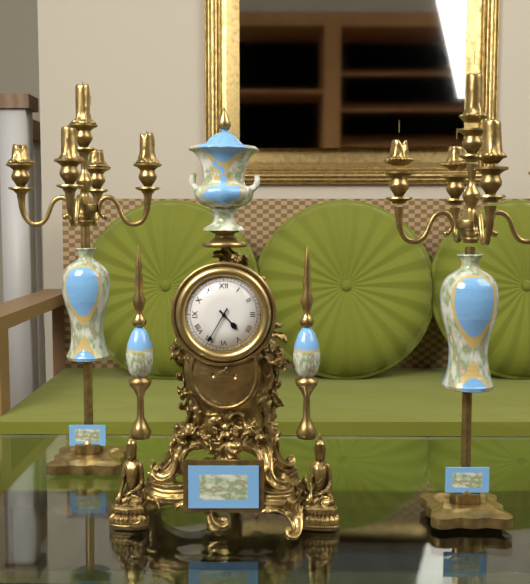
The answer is h=4 m=35
